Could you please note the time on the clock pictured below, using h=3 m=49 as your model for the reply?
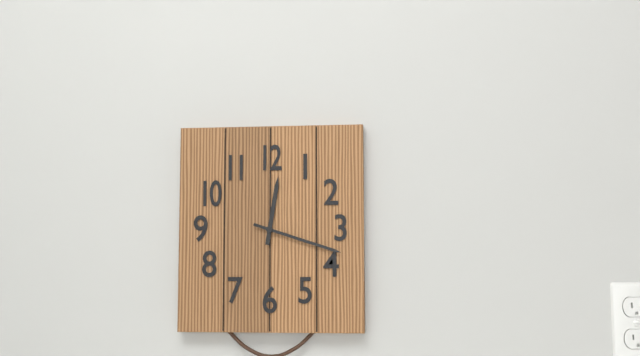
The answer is h=12 m=18
